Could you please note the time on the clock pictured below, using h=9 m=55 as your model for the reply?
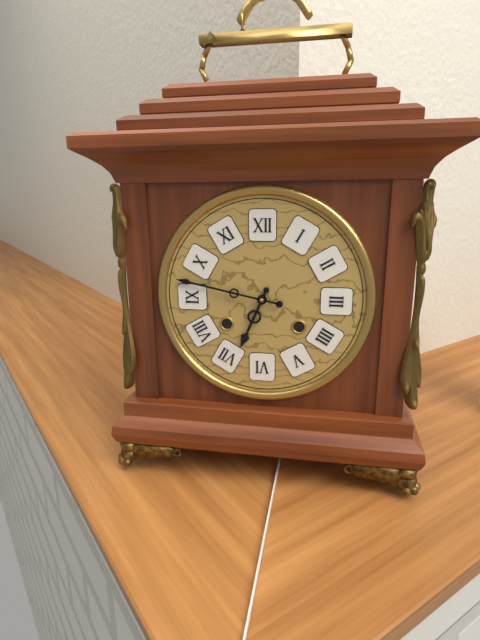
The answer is h=6 m=47
